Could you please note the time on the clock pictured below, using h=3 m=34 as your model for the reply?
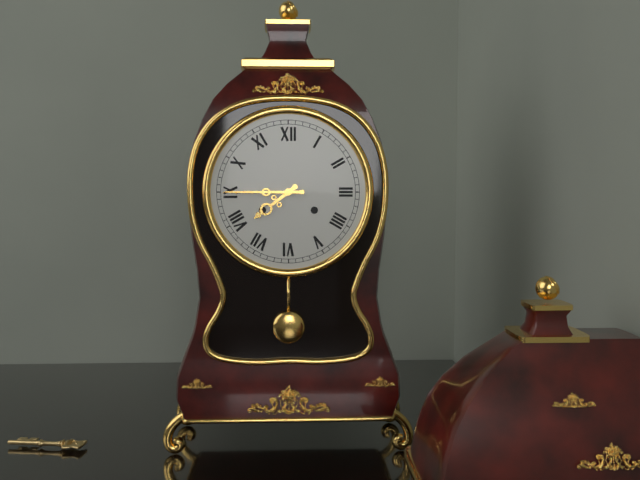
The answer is h=7 m=45
